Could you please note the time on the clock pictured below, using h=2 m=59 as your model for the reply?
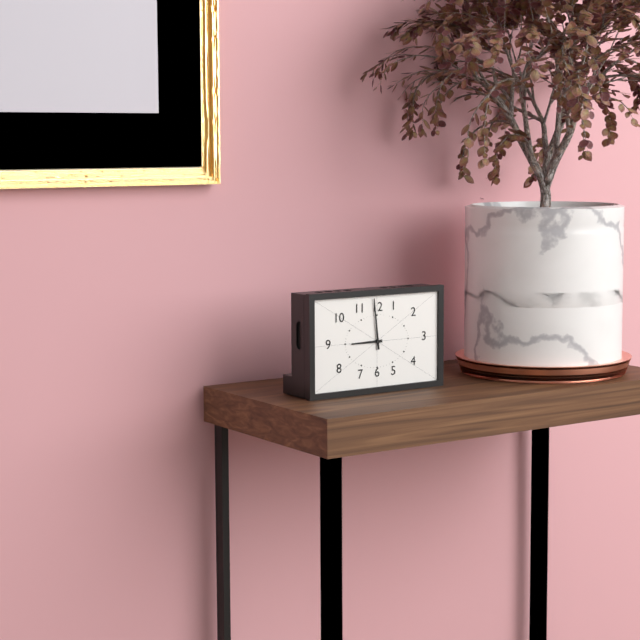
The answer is h=8 m=59
